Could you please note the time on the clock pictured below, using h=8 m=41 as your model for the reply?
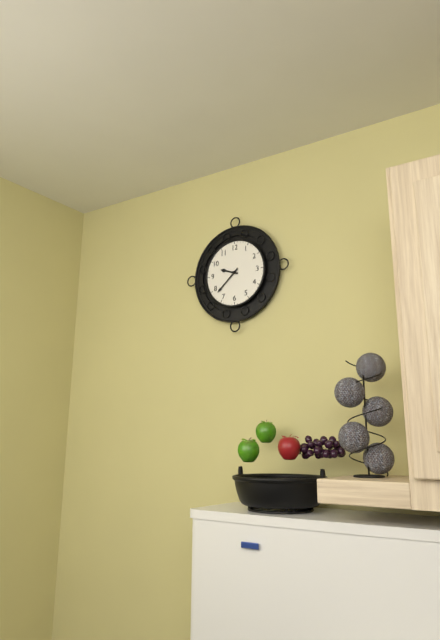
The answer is h=9 m=38
